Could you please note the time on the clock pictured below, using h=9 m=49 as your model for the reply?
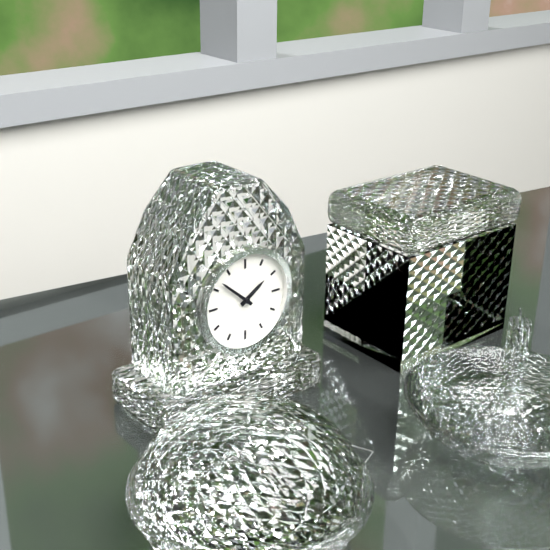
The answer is h=1 m=52
